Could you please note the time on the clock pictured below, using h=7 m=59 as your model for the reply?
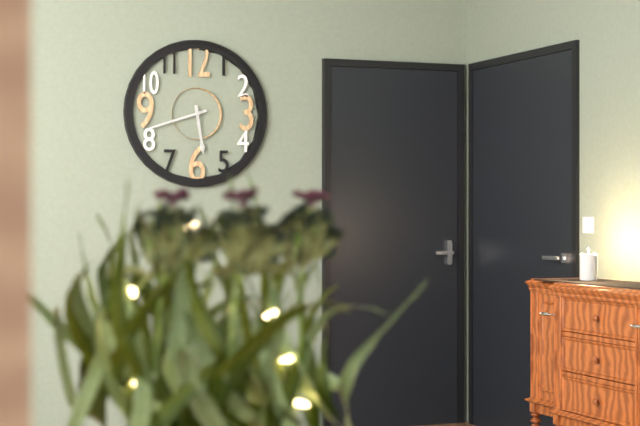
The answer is h=5 m=42
